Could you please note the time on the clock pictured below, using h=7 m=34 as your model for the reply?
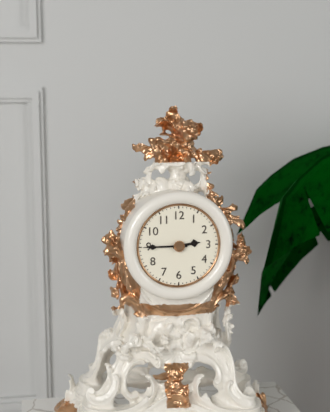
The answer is h=2 m=45
